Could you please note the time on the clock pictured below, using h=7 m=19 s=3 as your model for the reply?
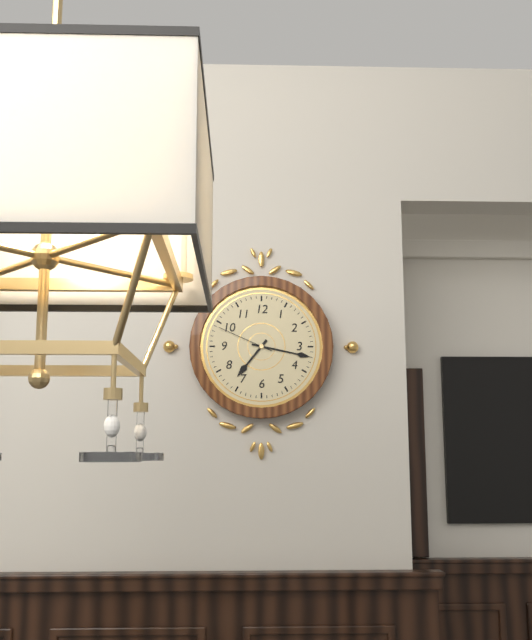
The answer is h=7 m=17 s=49
